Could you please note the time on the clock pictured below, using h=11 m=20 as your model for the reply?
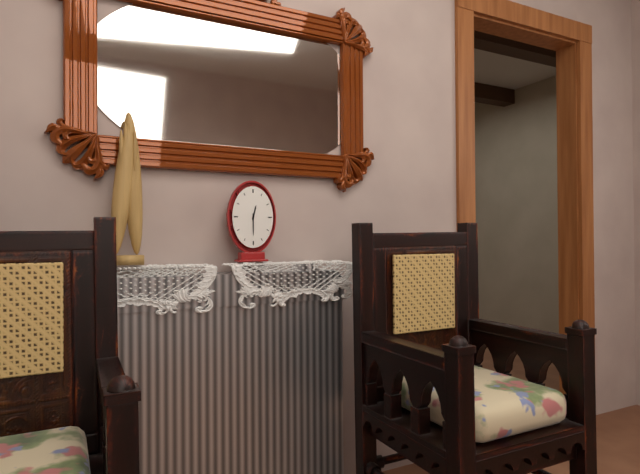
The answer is h=12 m=30
